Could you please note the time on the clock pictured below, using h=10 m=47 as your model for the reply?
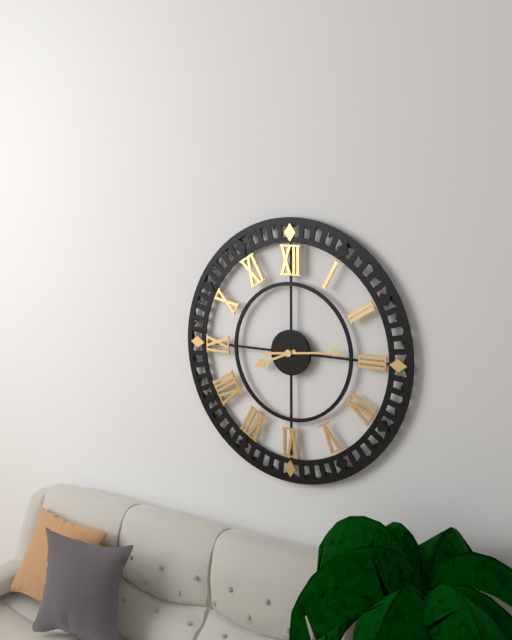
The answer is h=8 m=14
